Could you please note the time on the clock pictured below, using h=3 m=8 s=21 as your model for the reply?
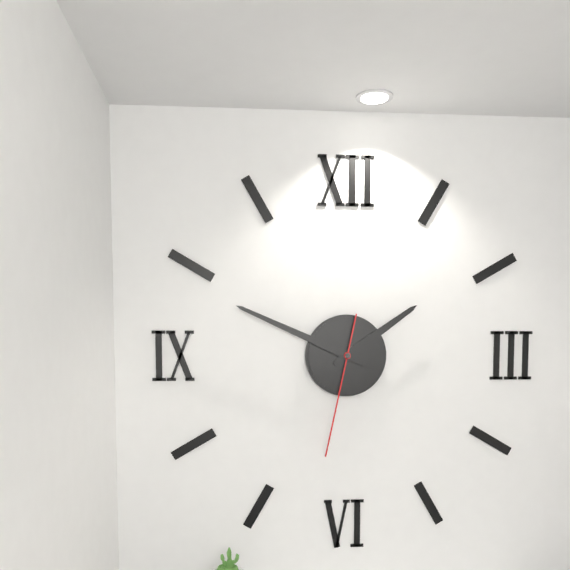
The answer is h=1 m=49 s=32
